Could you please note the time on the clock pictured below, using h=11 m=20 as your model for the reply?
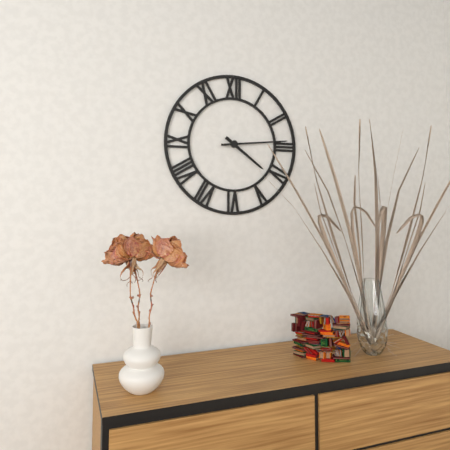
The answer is h=4 m=14
